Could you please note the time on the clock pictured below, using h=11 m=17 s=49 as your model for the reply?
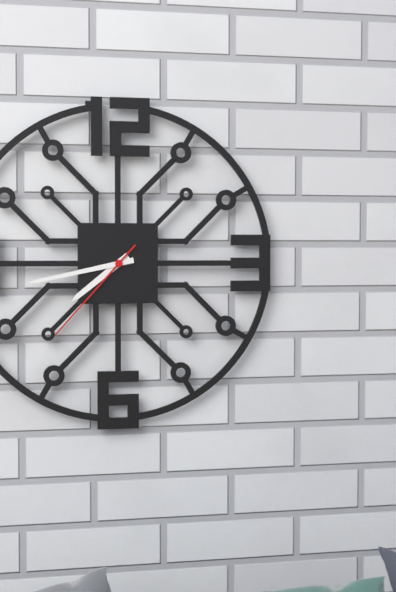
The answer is h=7 m=43 s=37
